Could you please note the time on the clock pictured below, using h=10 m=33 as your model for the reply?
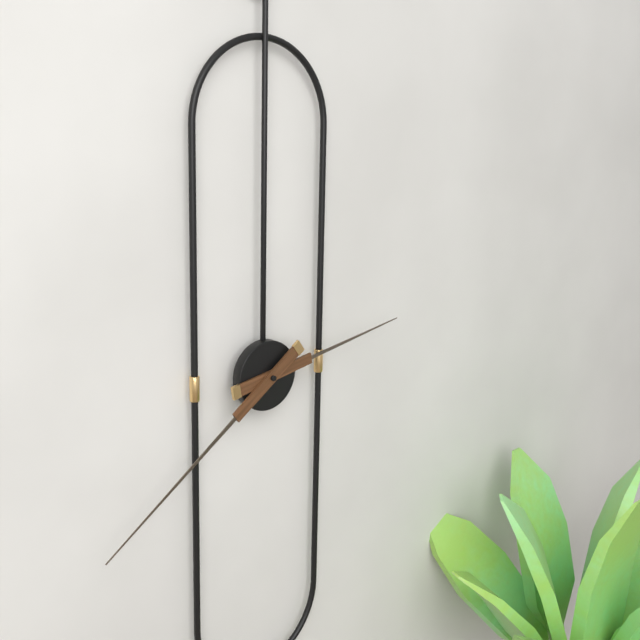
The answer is h=2 m=39
